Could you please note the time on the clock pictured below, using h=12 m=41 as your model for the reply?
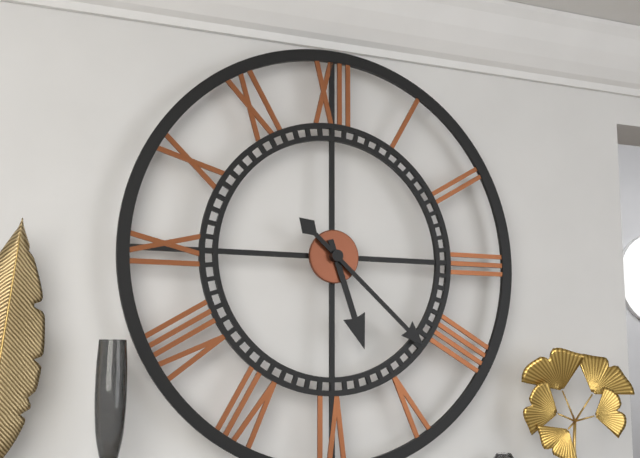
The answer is h=5 m=22
